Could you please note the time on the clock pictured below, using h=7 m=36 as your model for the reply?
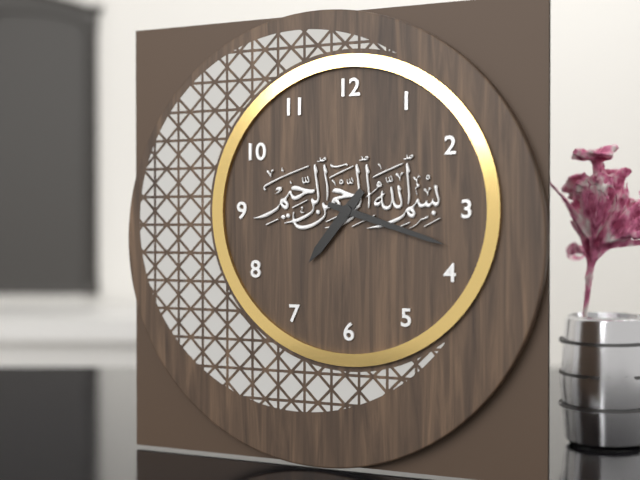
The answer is h=7 m=18
